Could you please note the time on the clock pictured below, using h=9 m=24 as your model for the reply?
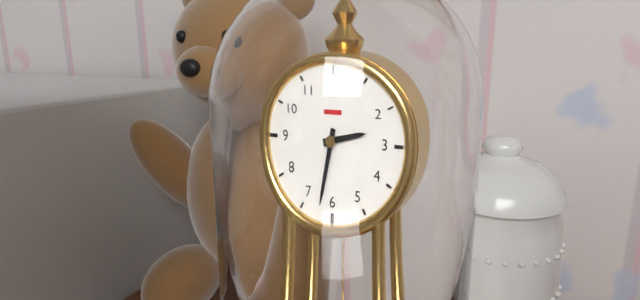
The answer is h=2 m=32
